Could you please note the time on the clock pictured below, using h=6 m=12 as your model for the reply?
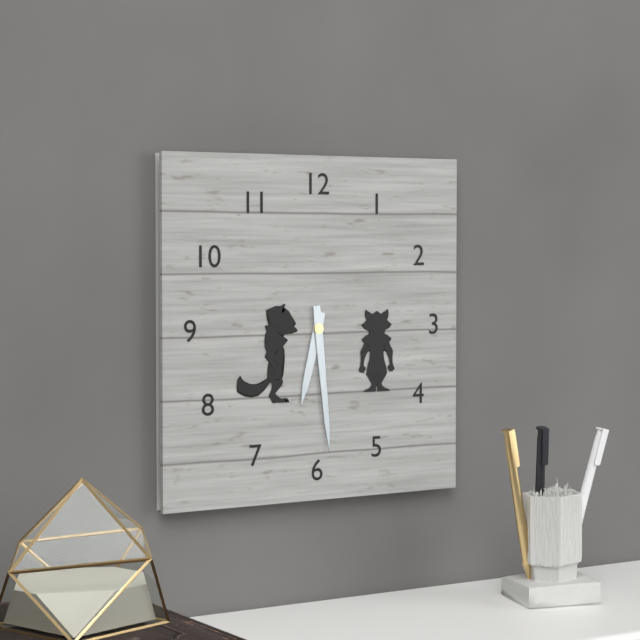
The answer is h=6 m=29
